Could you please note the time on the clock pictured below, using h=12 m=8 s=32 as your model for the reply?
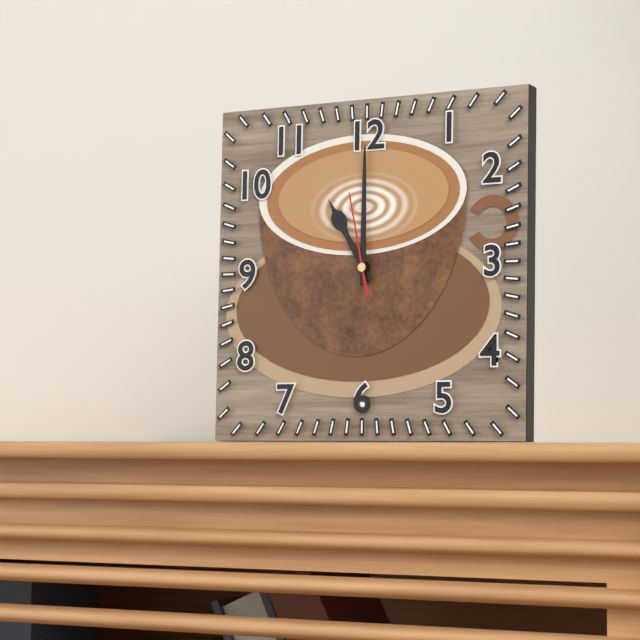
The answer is h=11 m=0 s=58
